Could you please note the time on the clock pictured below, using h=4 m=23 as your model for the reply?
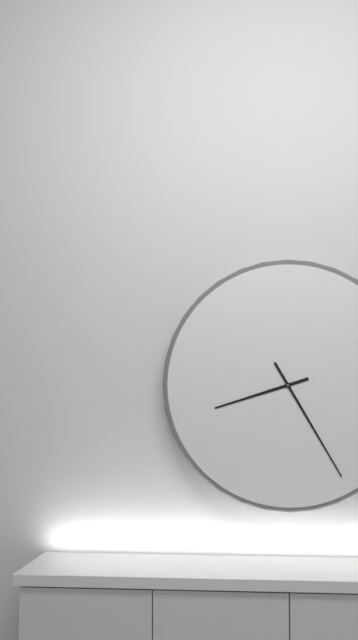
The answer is h=8 m=25
